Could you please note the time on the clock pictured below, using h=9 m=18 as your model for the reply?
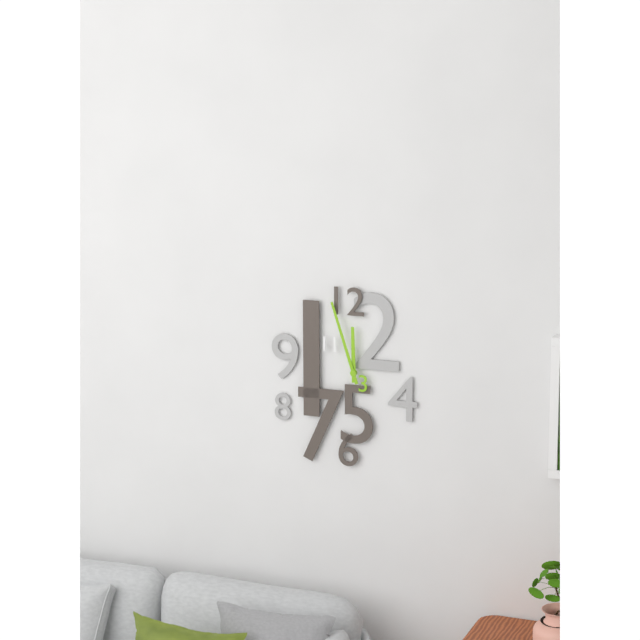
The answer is h=11 m=57
